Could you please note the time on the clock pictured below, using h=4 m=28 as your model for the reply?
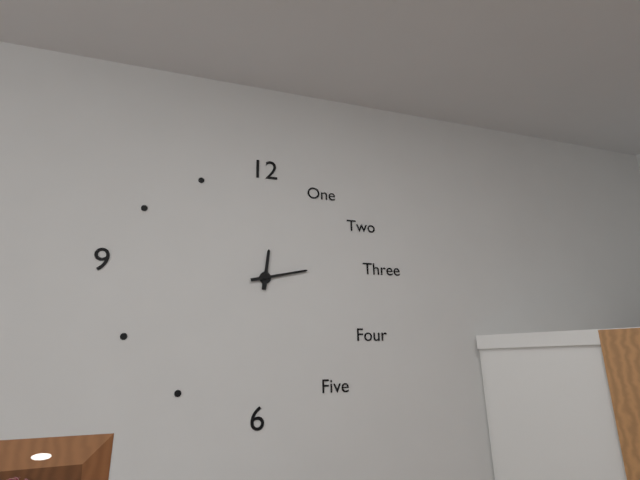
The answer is h=12 m=13
